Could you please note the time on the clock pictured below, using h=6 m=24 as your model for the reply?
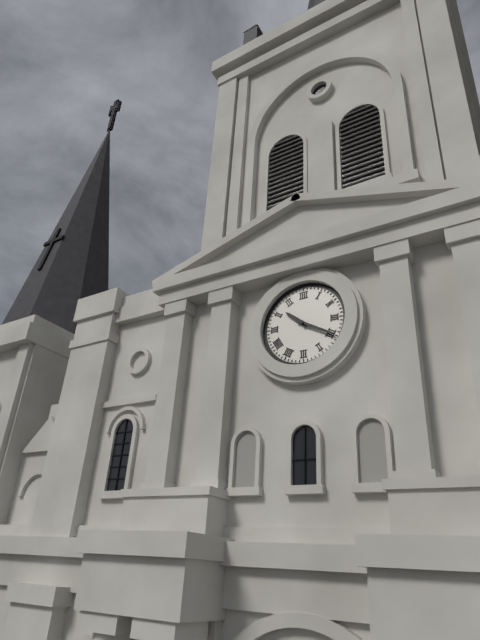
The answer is h=10 m=20
